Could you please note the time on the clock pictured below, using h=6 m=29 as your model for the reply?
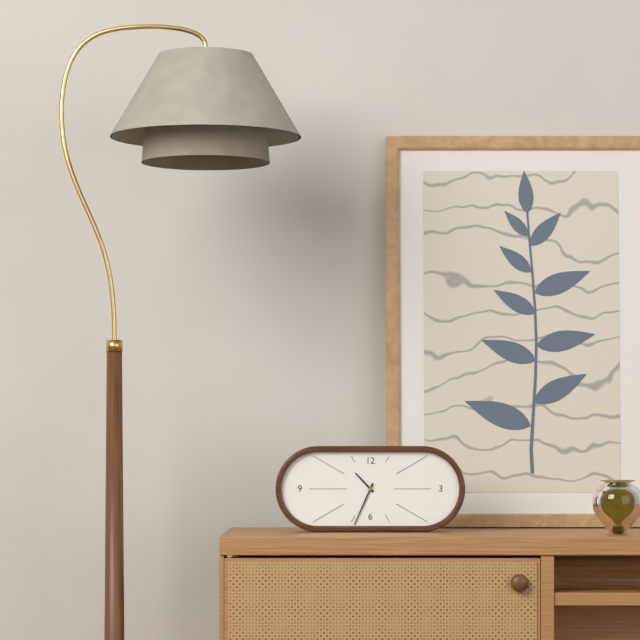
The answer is h=10 m=34
